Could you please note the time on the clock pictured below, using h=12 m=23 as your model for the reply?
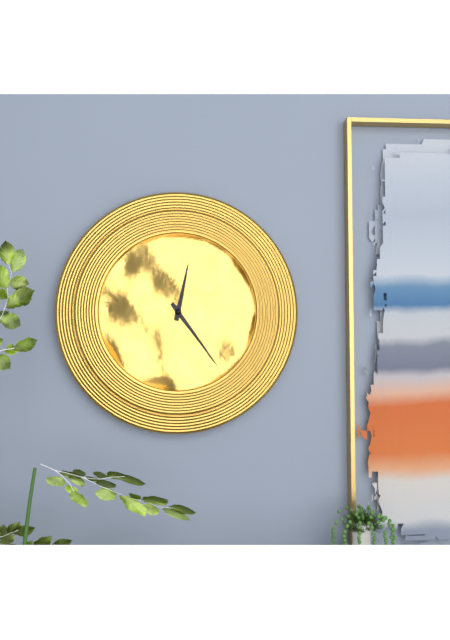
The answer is h=12 m=24
